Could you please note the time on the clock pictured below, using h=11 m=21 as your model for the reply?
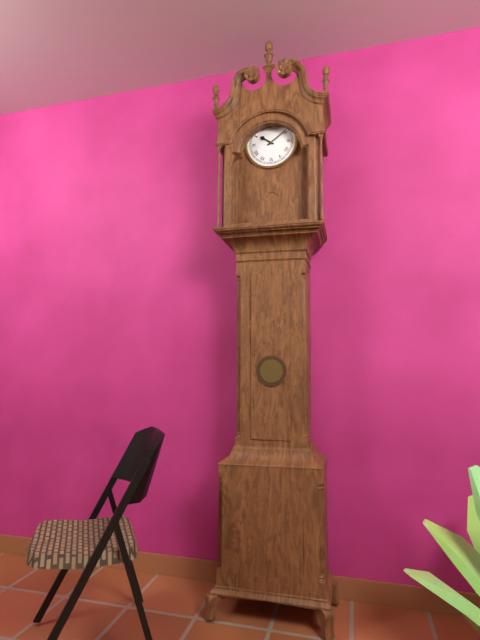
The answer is h=10 m=9
